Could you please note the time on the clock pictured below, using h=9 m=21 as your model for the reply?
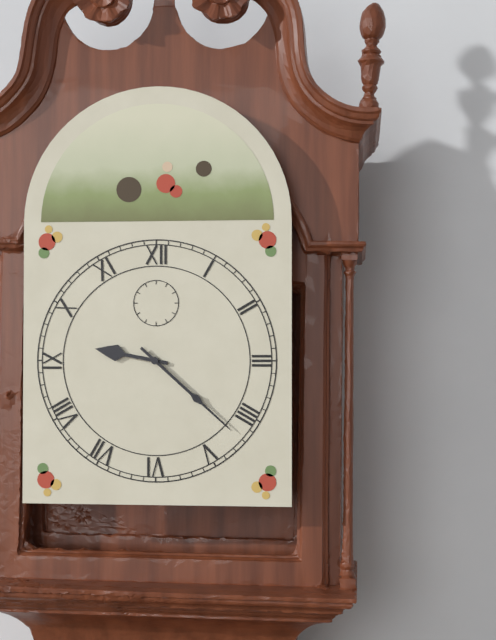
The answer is h=9 m=22
